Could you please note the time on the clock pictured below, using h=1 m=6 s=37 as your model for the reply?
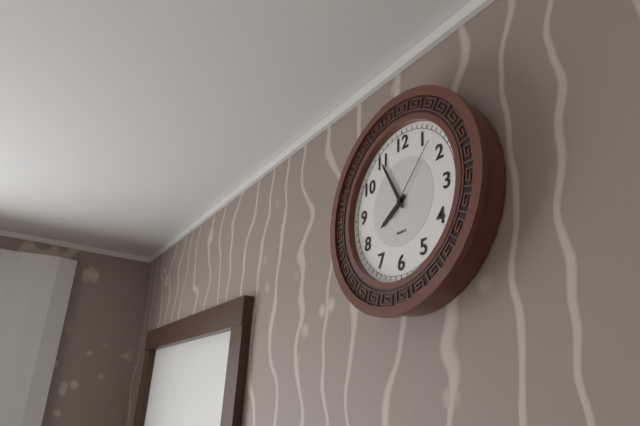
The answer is h=7 m=55 s=7
